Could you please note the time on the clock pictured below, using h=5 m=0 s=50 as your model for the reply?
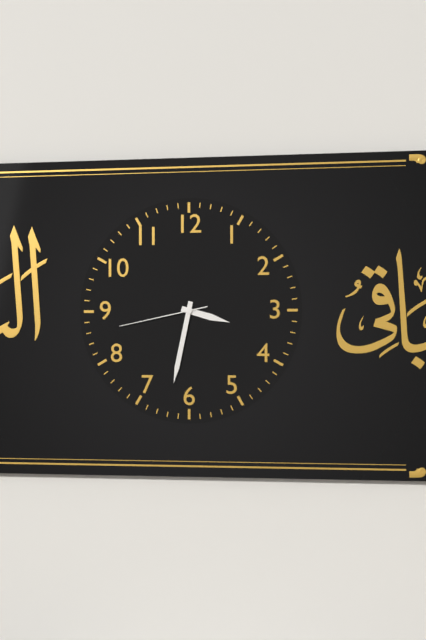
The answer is h=3 m=32 s=43
